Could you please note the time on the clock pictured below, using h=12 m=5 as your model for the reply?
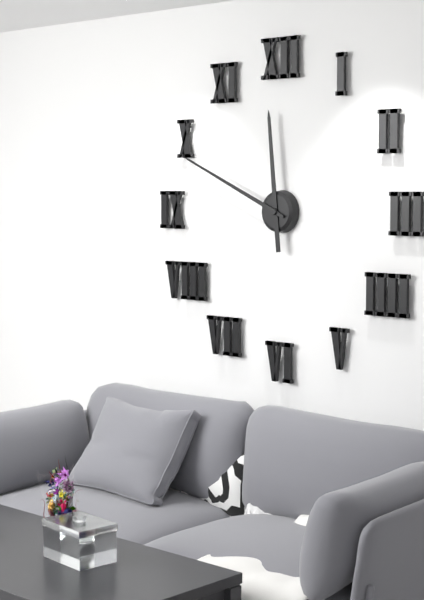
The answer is h=11 m=49
